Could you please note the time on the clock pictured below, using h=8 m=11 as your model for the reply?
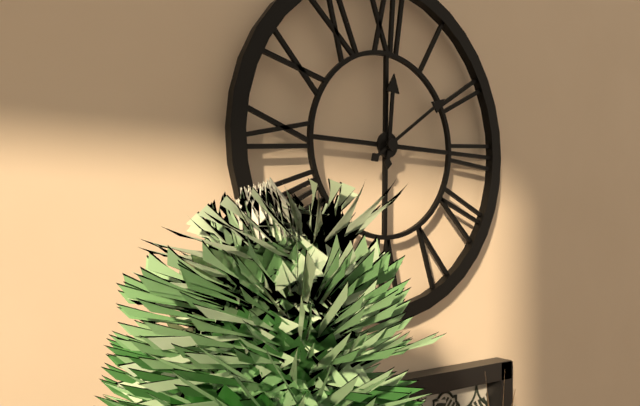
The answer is h=12 m=9
